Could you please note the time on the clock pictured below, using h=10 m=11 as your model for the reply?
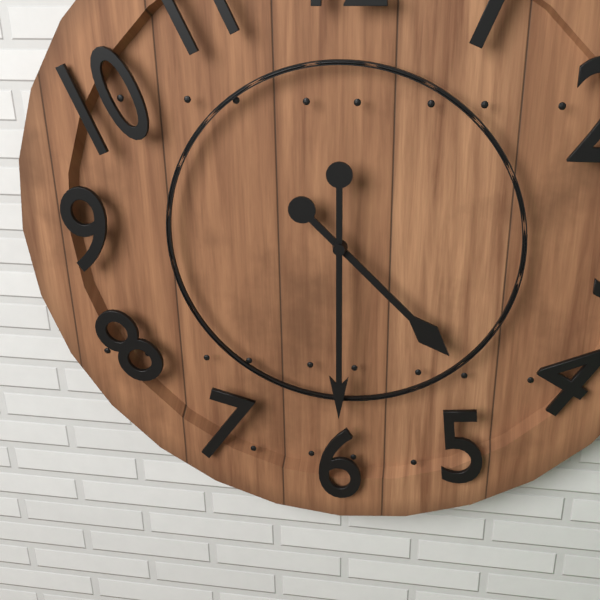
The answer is h=4 m=30
